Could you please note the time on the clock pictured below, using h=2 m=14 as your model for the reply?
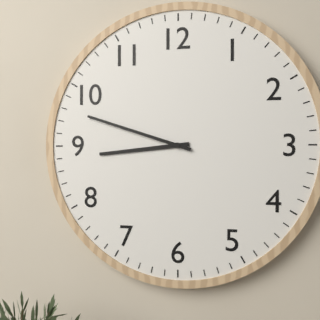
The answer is h=8 m=48
